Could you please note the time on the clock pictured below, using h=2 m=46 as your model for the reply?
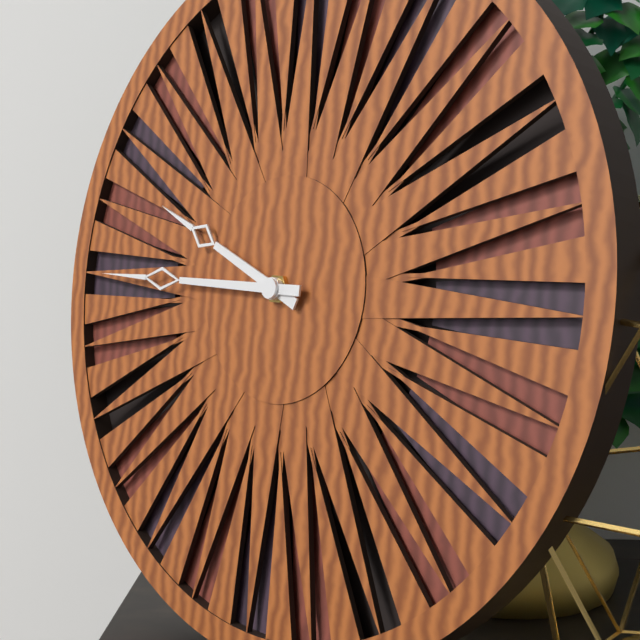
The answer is h=9 m=45
